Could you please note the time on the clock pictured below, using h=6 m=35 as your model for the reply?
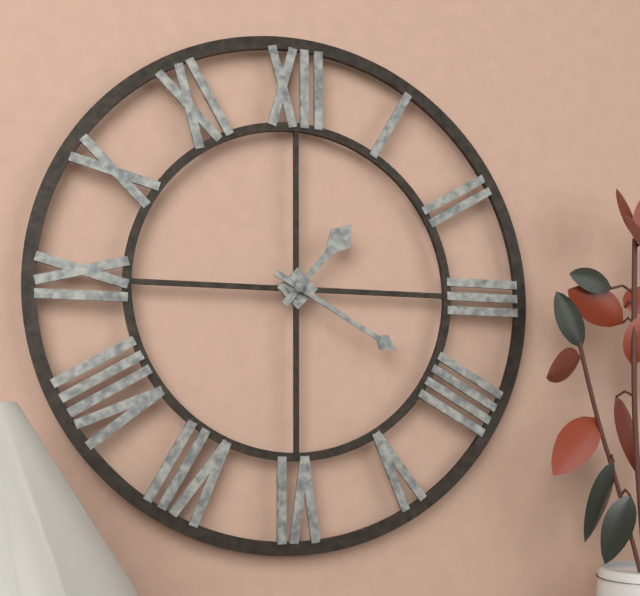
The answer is h=1 m=20
